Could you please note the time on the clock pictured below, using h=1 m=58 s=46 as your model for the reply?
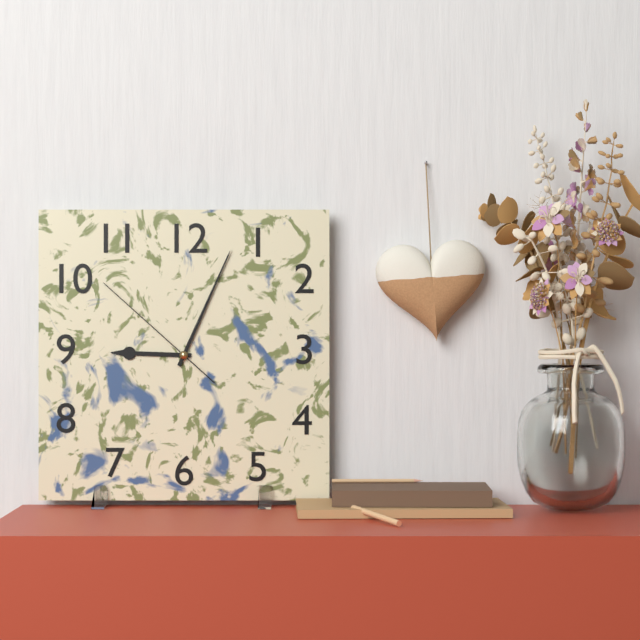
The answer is h=9 m=4 s=52
